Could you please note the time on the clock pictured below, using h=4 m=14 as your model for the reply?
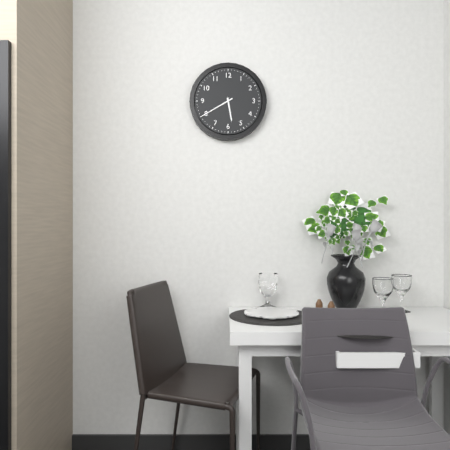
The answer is h=5 m=40
